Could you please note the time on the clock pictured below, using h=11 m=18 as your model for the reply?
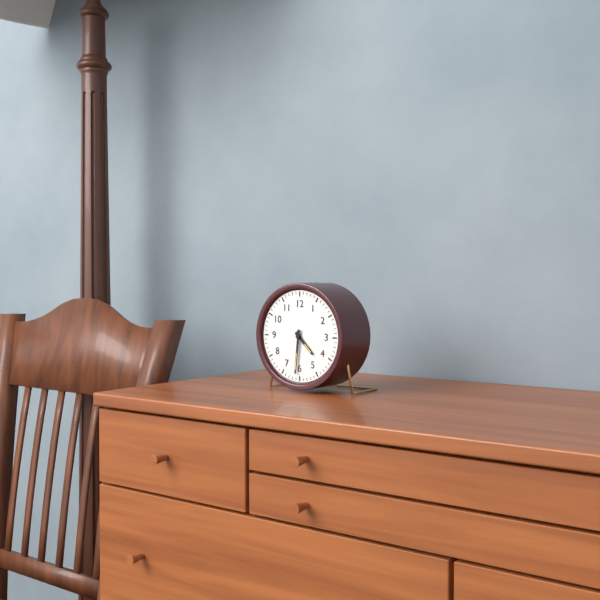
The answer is h=4 m=31
